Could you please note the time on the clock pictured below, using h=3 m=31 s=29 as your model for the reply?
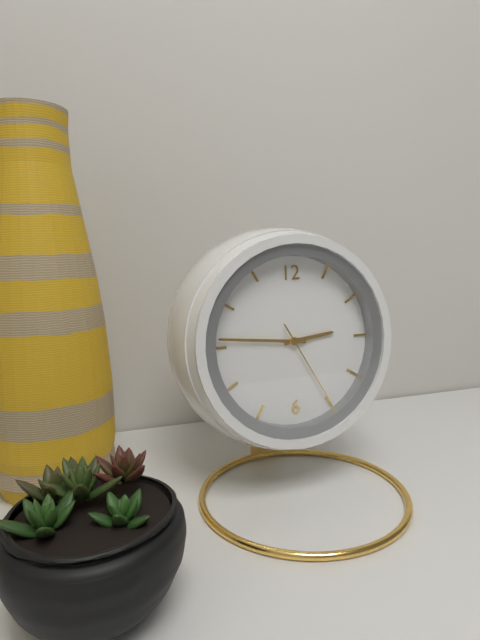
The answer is h=2 m=46 s=25
